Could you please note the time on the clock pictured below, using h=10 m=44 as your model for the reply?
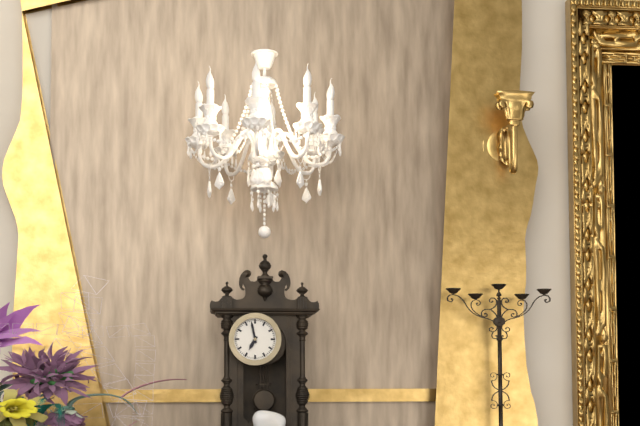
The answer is h=6 m=58
